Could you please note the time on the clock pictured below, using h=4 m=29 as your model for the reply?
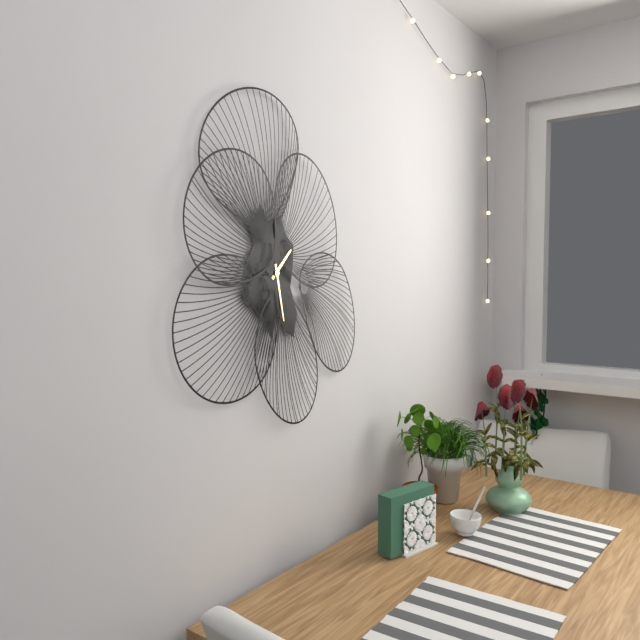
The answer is h=1 m=28
